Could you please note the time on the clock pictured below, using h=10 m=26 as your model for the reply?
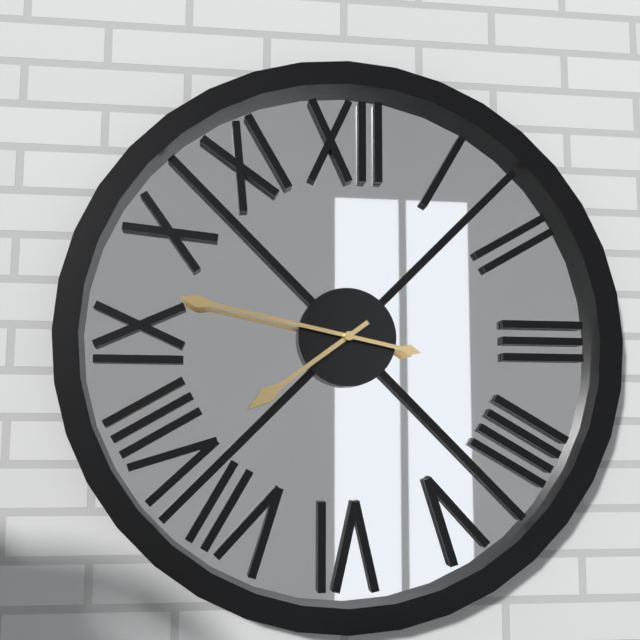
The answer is h=7 m=47
